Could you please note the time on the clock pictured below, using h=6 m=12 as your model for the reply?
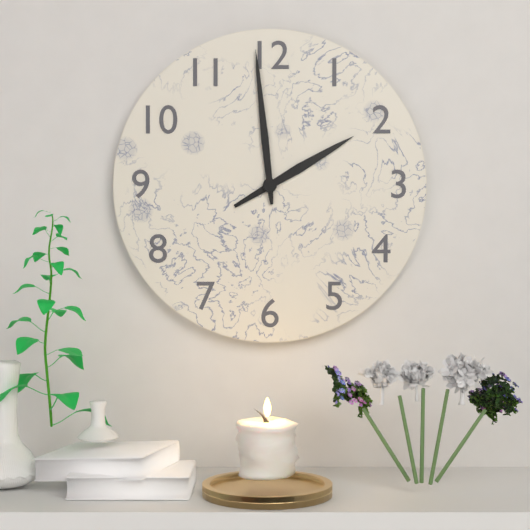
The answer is h=1 m=59
